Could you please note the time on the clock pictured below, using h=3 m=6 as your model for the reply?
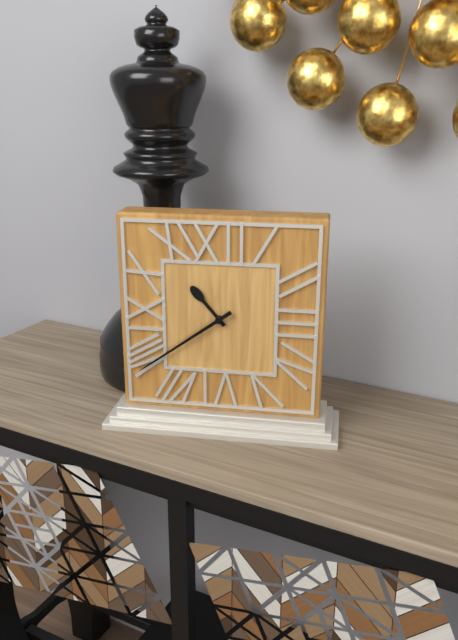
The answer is h=10 m=39
